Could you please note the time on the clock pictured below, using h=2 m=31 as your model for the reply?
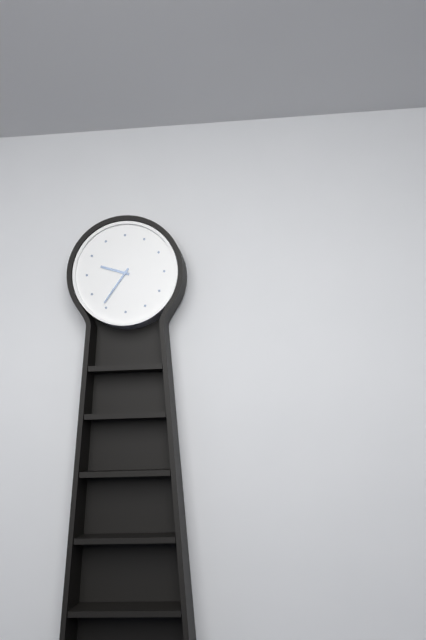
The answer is h=9 m=36
